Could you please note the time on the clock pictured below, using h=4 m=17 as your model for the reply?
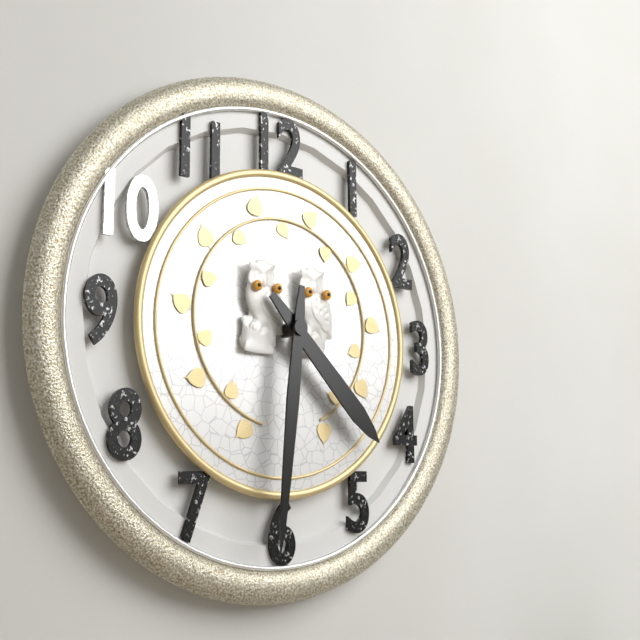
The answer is h=4 m=31
